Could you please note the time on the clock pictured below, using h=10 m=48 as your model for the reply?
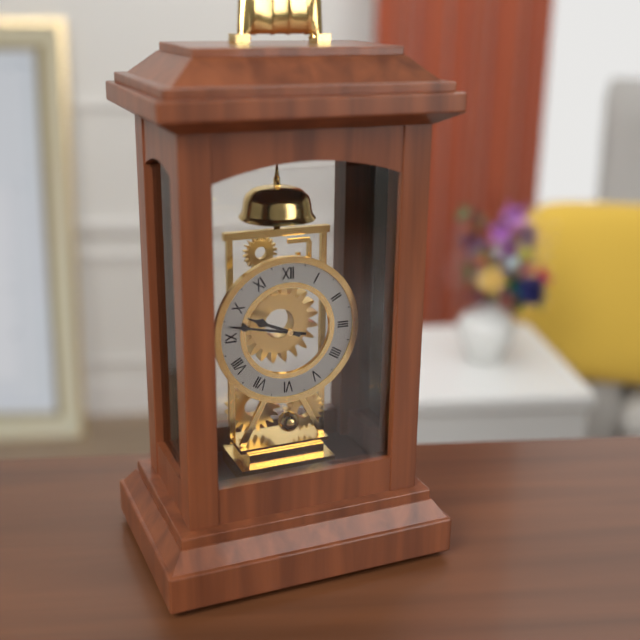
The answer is h=9 m=47
